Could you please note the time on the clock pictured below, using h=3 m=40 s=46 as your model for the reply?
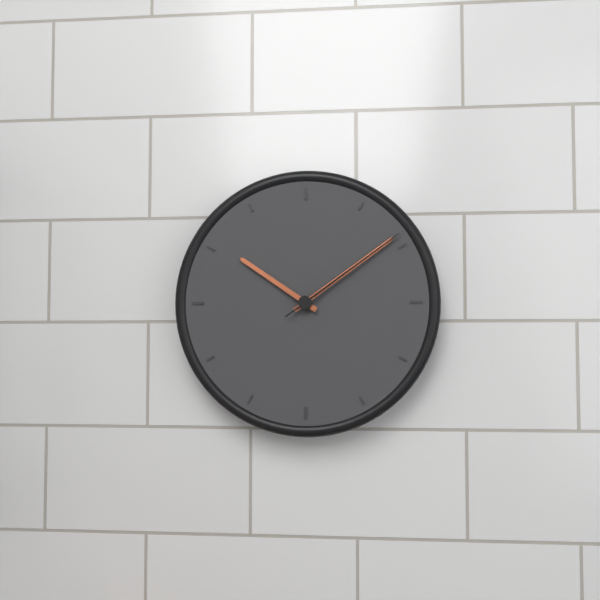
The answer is h=10 m=9 s=9
